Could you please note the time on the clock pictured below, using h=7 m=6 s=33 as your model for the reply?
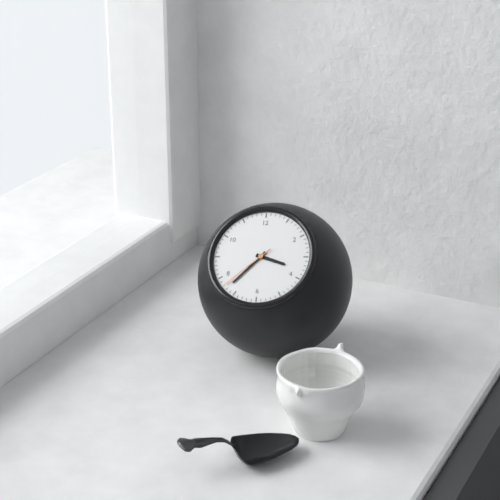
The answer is h=3 m=37 s=38
